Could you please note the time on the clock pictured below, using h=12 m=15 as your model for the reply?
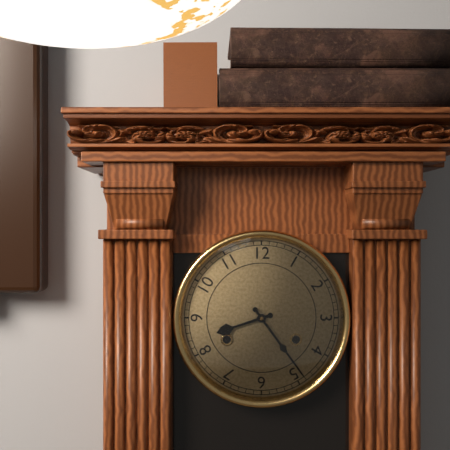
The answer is h=8 m=24
